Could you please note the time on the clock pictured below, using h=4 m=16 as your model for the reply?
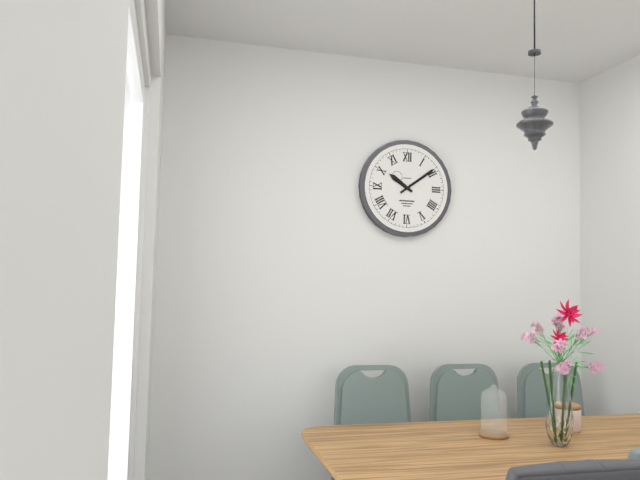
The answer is h=10 m=9
